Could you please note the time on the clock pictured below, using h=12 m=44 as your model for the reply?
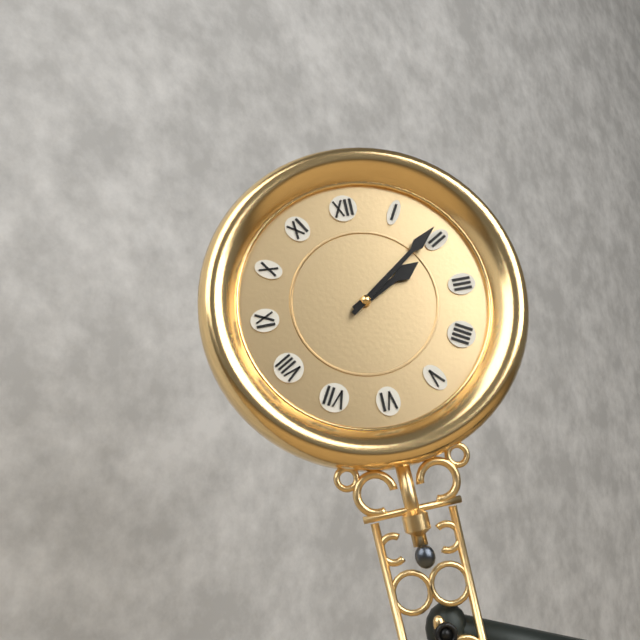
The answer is h=2 m=9
